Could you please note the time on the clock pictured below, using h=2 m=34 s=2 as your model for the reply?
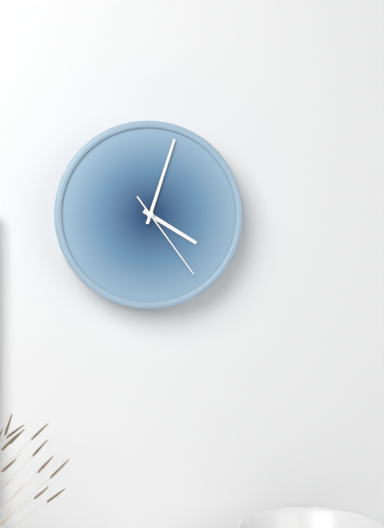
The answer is h=4 m=3 s=24
